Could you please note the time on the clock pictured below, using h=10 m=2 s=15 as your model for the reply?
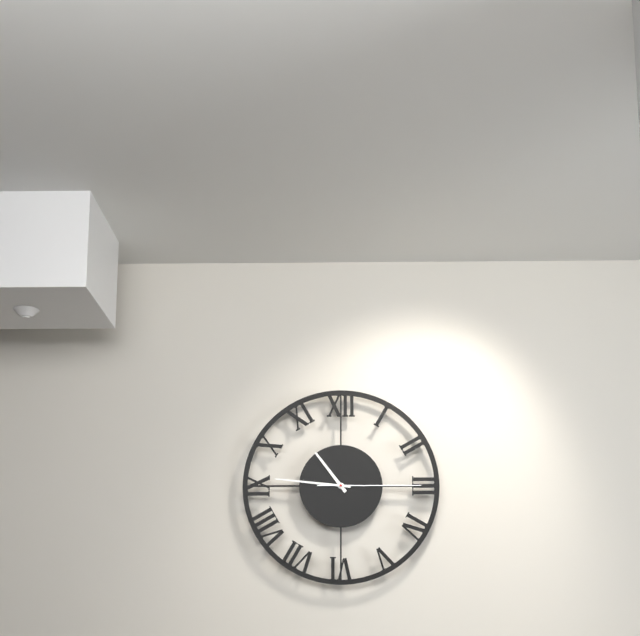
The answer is h=10 m=46 s=15
